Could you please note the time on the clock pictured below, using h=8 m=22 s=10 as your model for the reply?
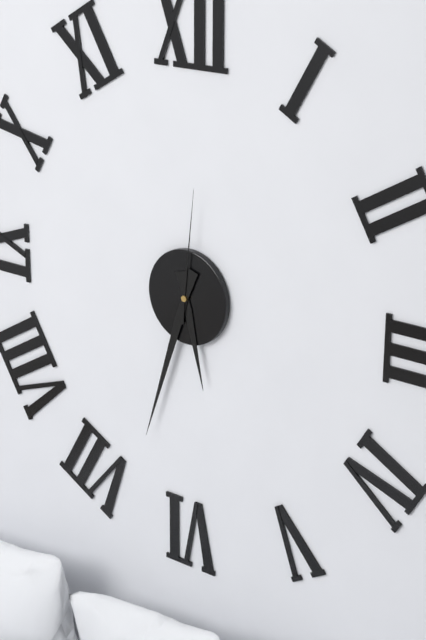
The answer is h=5 m=33 s=1
